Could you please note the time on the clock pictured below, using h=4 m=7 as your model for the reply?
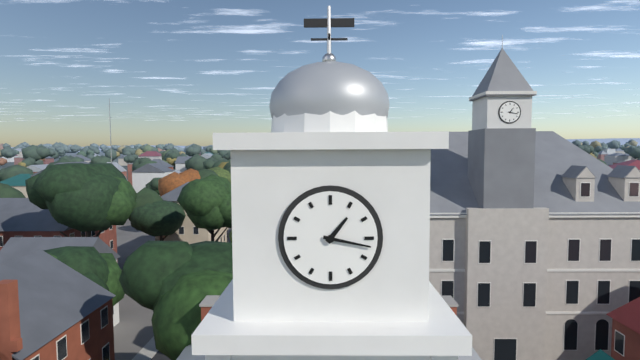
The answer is h=1 m=17
